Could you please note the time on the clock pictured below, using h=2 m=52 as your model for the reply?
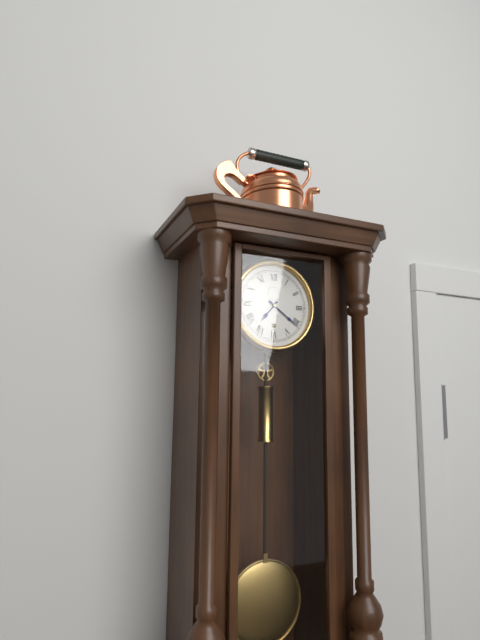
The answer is h=7 m=21
